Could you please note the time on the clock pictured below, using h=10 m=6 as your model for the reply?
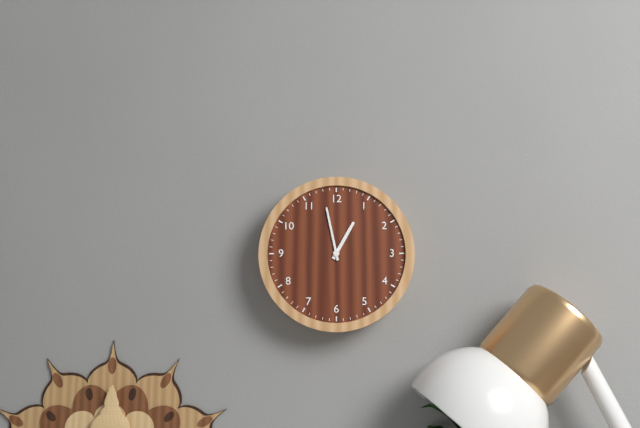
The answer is h=12 m=58
